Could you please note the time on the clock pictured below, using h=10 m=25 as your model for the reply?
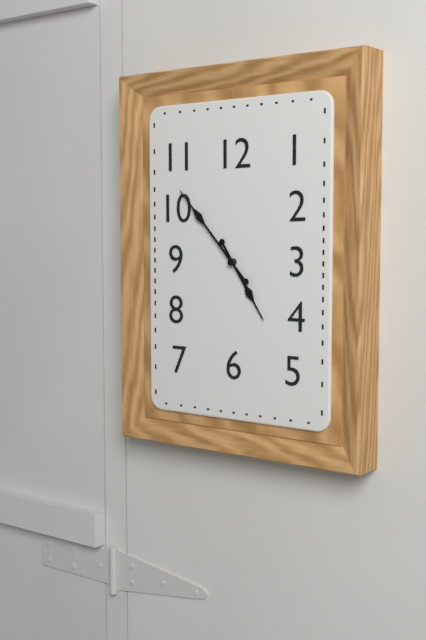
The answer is h=4 m=53
